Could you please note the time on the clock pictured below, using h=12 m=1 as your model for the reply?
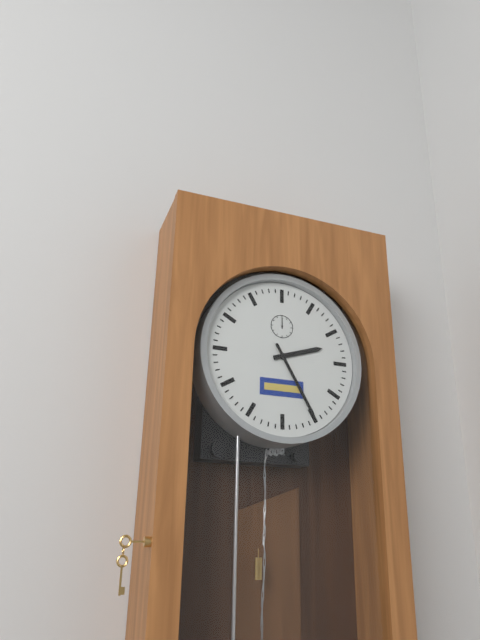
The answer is h=2 m=25
